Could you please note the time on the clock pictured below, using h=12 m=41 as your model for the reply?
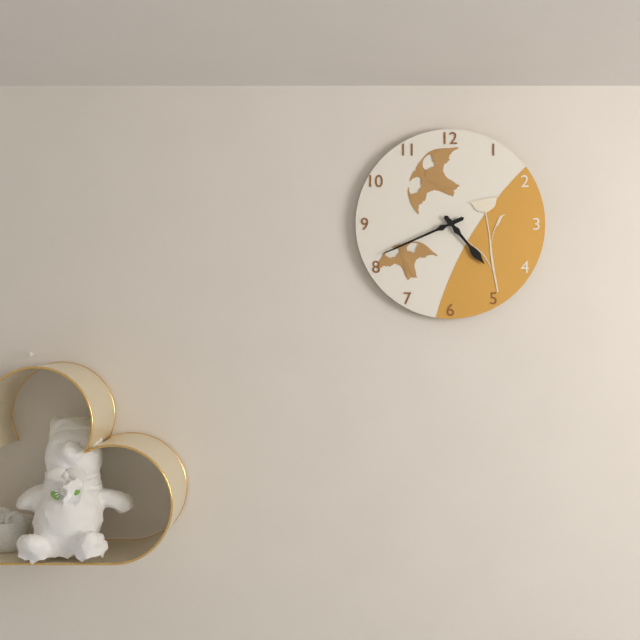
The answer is h=4 m=41
